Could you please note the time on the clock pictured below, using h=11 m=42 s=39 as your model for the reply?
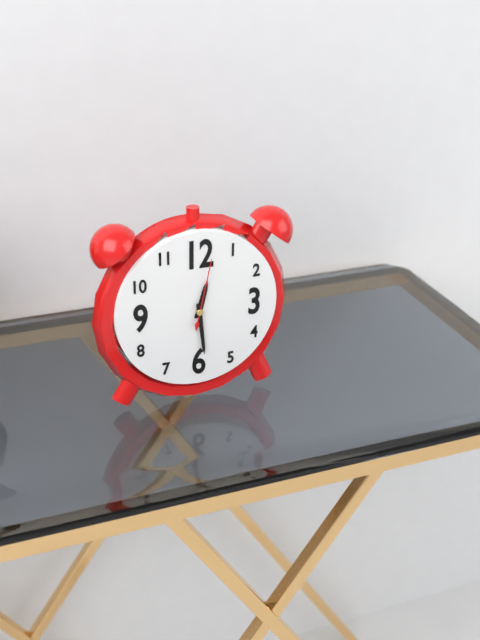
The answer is h=12 m=29 s=2
